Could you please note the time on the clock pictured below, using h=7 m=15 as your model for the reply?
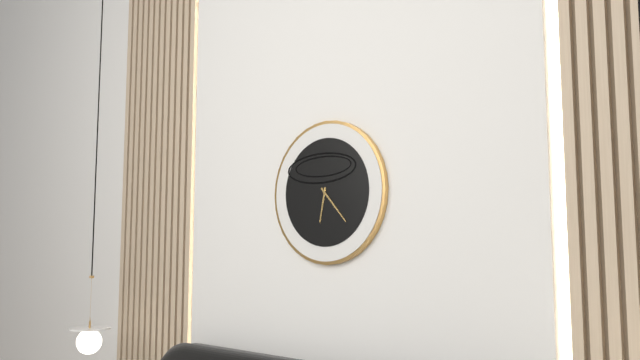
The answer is h=6 m=23
